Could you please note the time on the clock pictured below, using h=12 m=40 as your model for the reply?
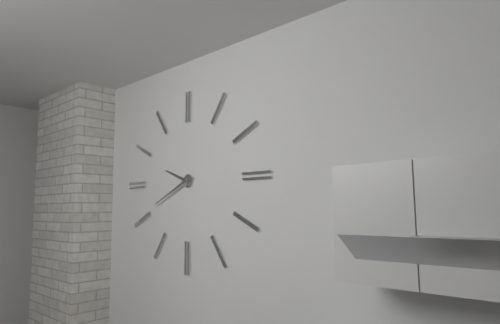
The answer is h=9 m=41
